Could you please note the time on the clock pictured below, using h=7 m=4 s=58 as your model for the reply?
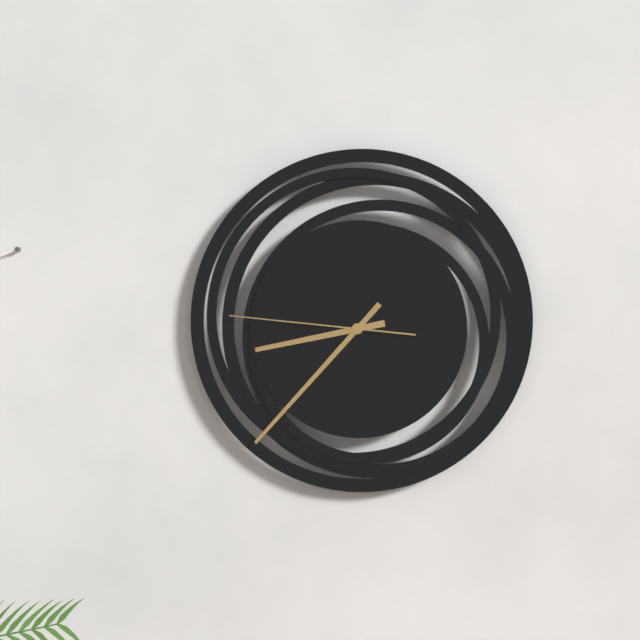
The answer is h=8 m=37 s=46
